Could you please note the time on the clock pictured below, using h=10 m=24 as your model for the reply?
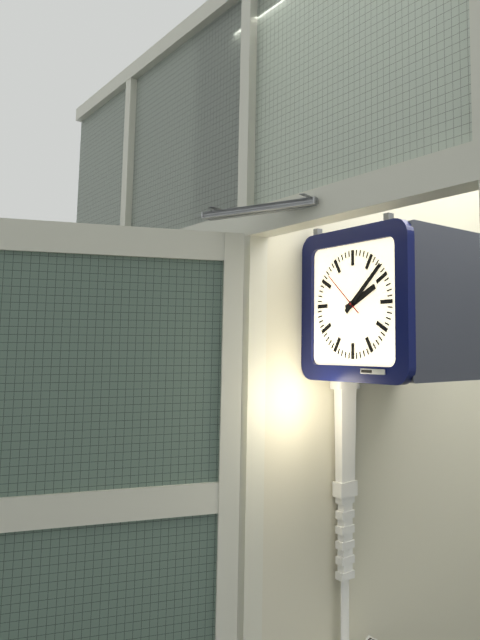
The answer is h=2 m=8
